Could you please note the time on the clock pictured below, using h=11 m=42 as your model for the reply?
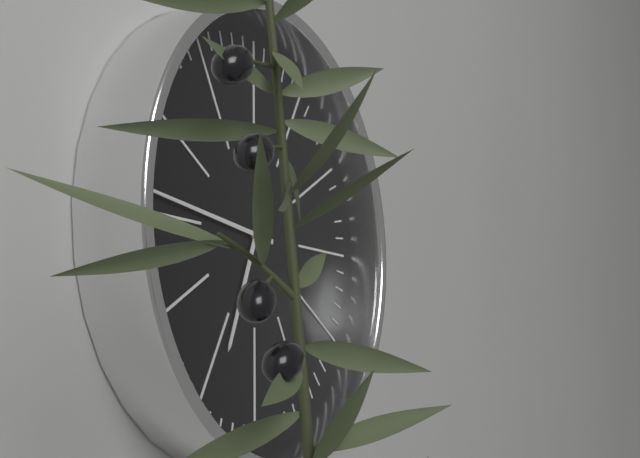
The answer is h=6 m=46
